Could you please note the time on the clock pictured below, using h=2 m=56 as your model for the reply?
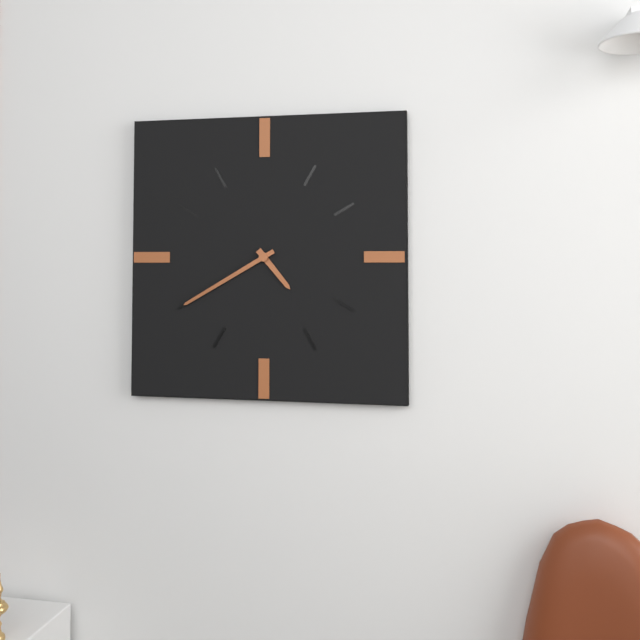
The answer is h=4 m=40
